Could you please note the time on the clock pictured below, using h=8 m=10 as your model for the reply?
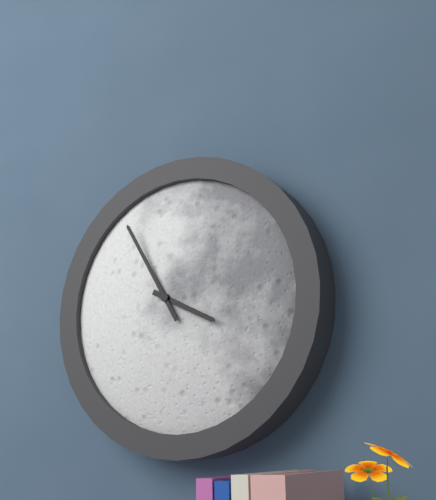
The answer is h=3 m=55
